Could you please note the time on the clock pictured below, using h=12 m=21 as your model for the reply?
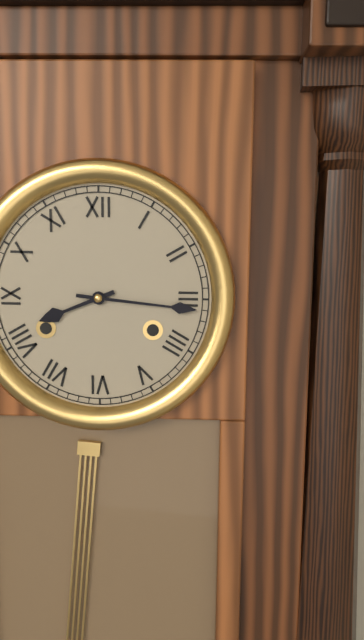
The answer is h=8 m=16
